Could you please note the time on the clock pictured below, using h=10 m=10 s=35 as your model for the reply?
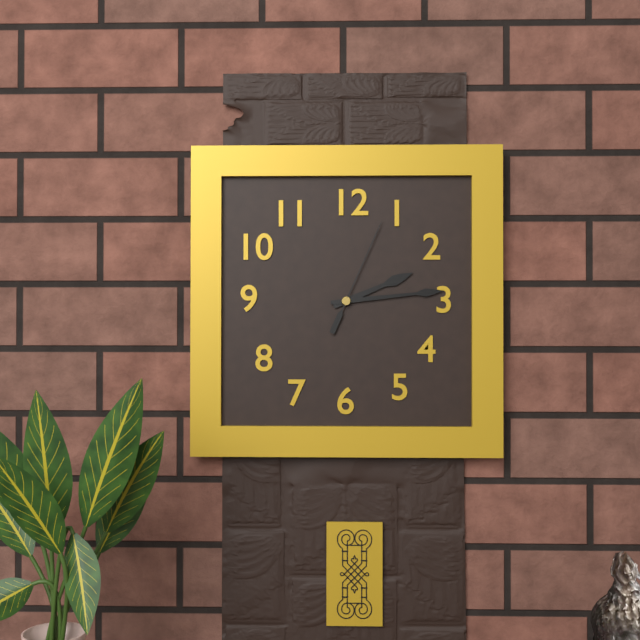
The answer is h=2 m=14 s=4
